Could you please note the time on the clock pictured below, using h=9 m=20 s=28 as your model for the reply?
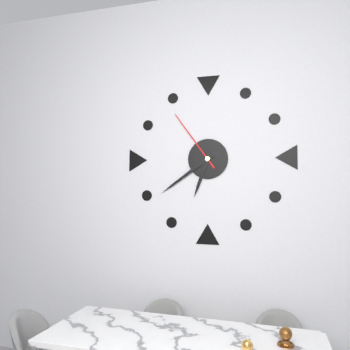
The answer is h=6 m=39 s=54
